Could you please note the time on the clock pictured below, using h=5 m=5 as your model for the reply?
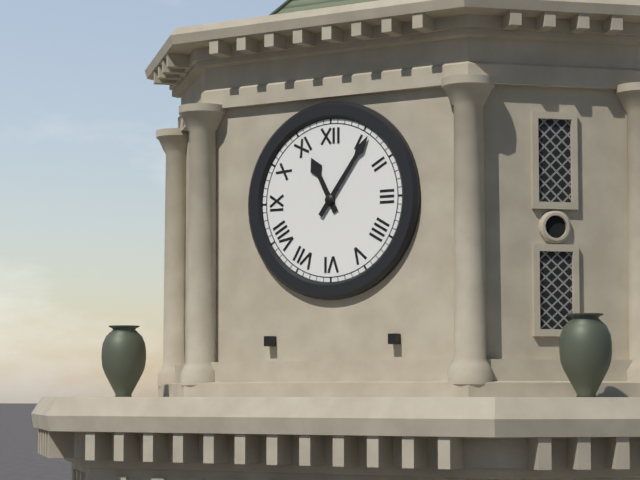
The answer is h=11 m=6
